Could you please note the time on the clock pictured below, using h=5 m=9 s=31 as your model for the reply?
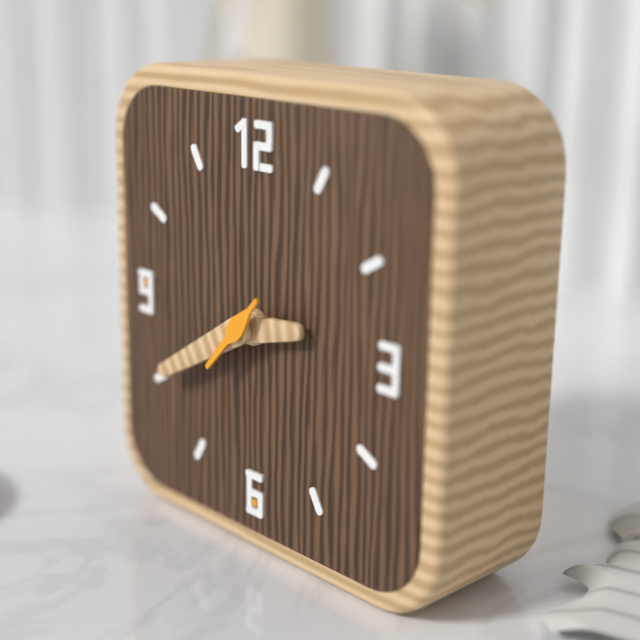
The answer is h=2 m=40 s=37
